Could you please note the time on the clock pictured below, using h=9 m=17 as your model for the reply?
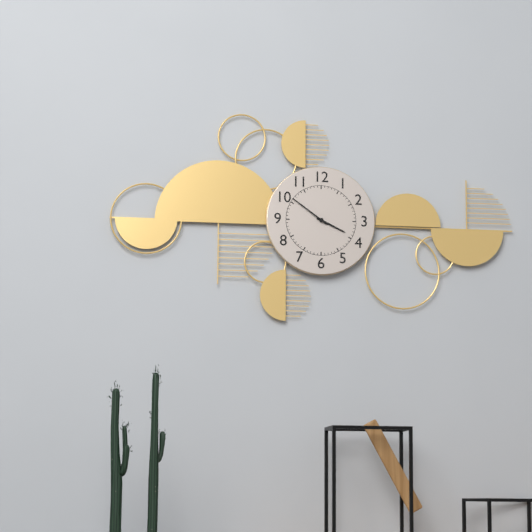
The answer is h=3 m=51
